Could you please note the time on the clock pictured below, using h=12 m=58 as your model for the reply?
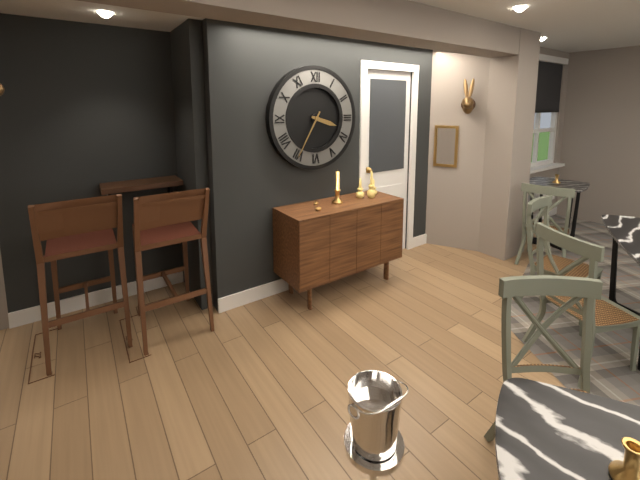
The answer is h=3 m=35
